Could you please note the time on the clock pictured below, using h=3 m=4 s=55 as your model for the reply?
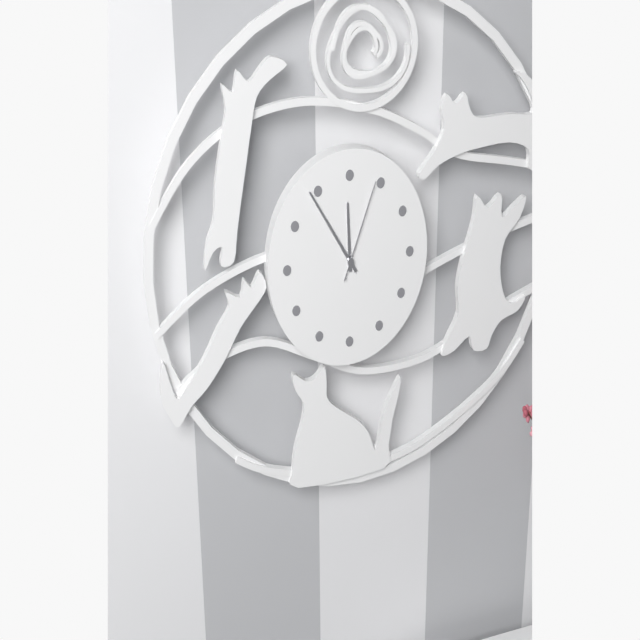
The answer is h=11 m=54 s=4
